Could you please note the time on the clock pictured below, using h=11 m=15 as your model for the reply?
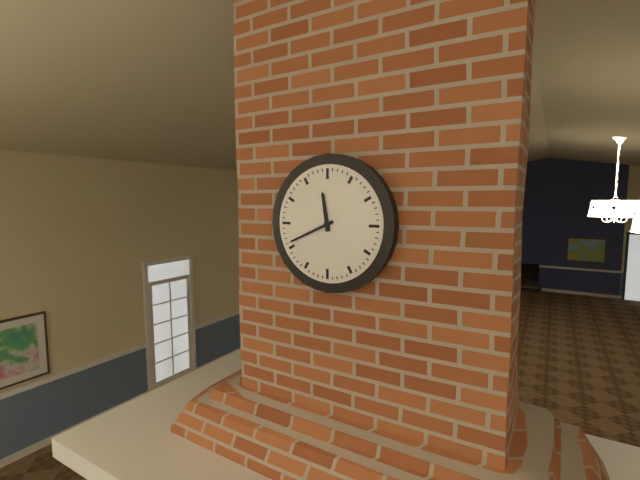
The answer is h=11 m=41
